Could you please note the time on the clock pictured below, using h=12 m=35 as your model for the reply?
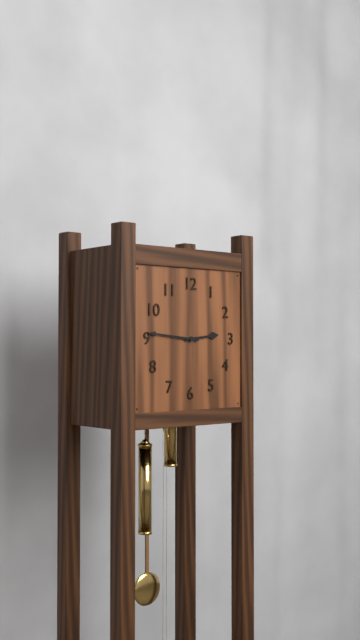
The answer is h=2 m=46
